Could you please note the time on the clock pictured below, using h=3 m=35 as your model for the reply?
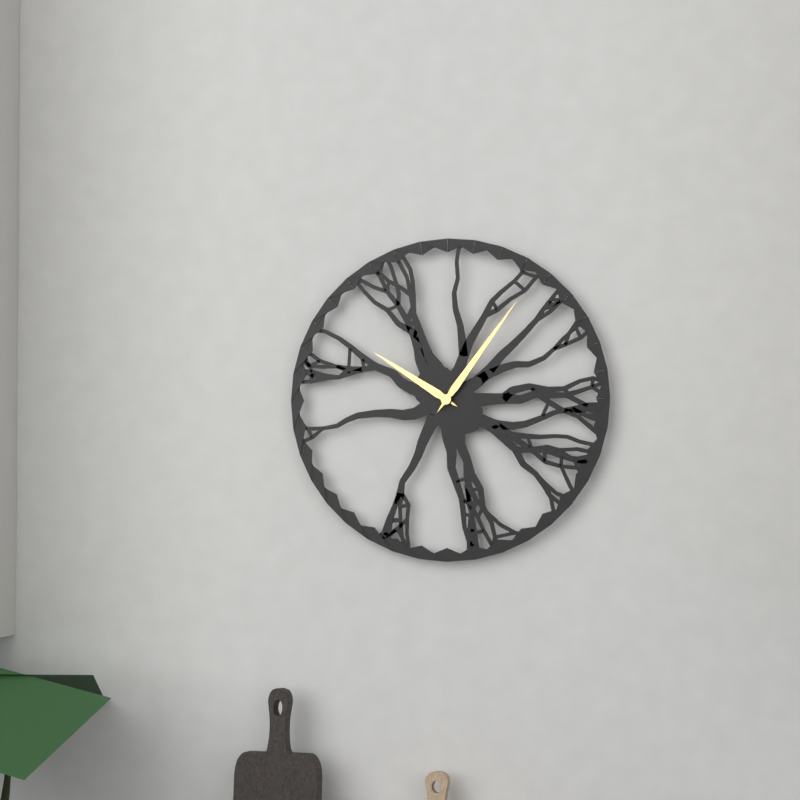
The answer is h=10 m=6
